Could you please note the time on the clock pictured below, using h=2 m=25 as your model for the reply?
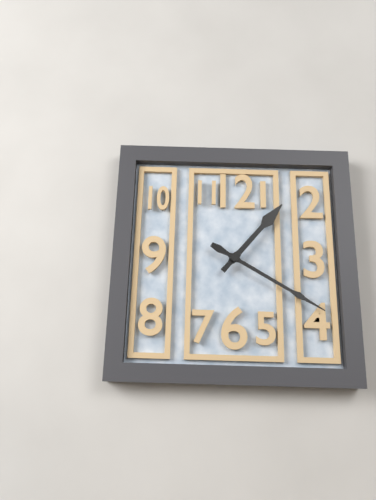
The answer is h=1 m=20
